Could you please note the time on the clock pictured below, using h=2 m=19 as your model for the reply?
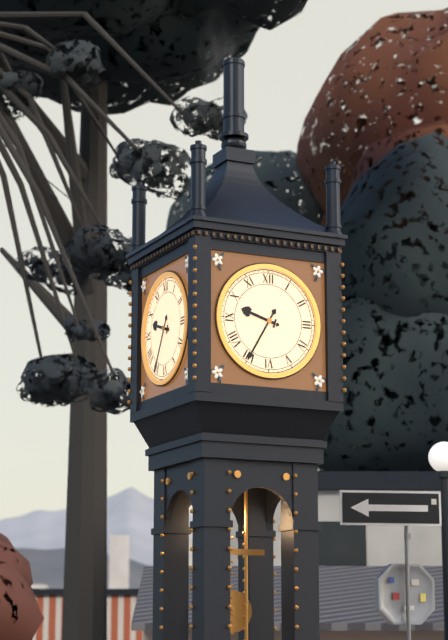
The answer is h=9 m=35
